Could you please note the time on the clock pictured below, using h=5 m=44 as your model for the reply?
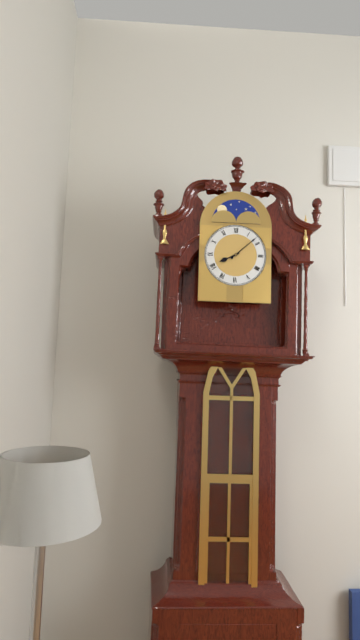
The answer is h=8 m=8
